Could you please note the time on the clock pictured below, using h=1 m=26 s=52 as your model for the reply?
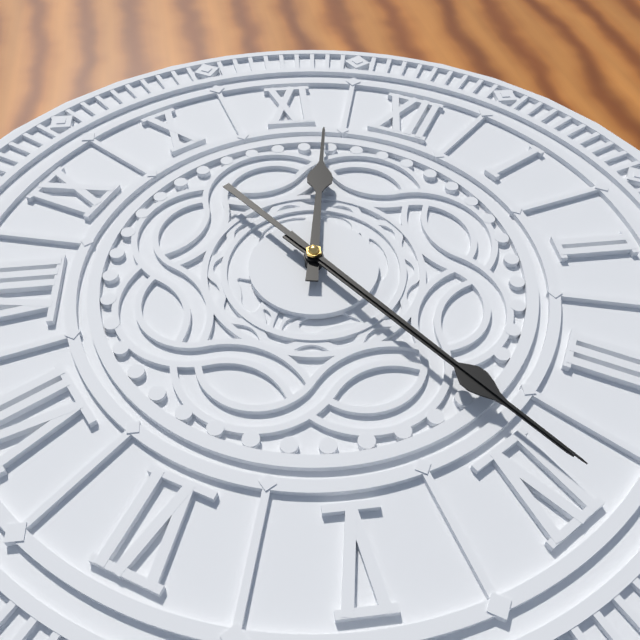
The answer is h=11 m=19 s=19
